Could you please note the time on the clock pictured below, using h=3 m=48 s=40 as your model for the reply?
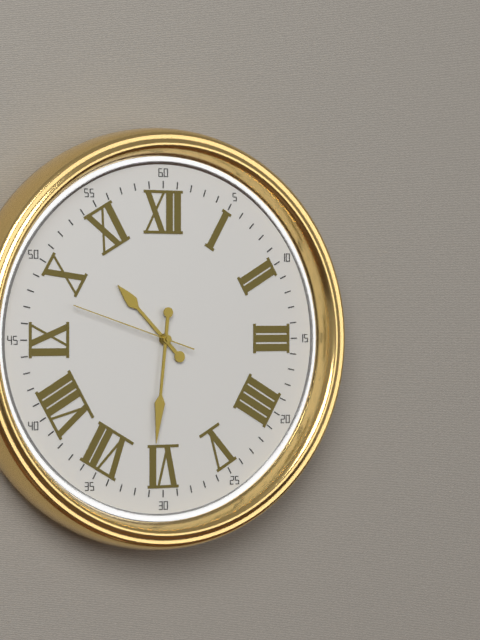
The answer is h=10 m=31 s=48
